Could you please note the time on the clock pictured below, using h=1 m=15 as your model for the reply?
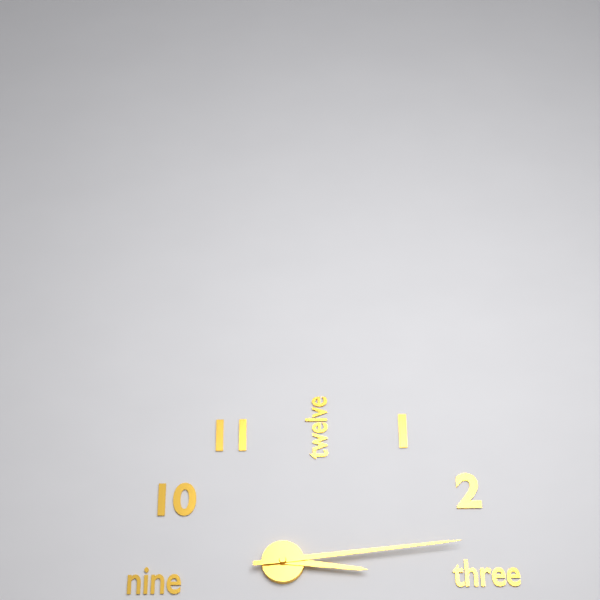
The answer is h=3 m=14
